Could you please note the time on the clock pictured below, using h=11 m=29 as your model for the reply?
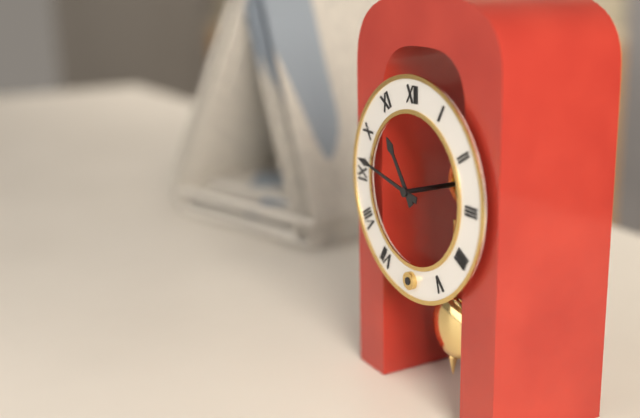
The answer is h=10 m=47
